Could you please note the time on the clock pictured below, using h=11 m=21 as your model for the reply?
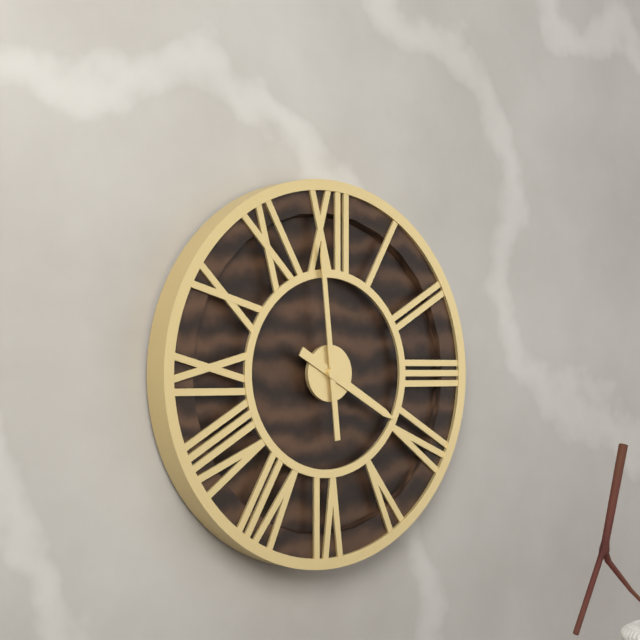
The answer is h=3 m=59
